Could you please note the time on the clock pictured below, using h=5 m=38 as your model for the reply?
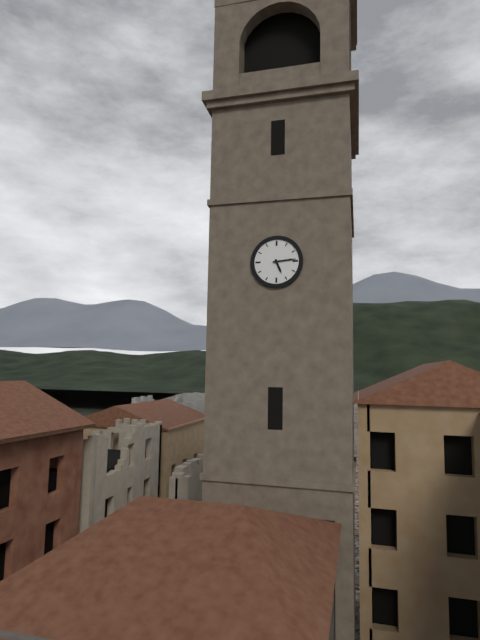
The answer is h=5 m=14
